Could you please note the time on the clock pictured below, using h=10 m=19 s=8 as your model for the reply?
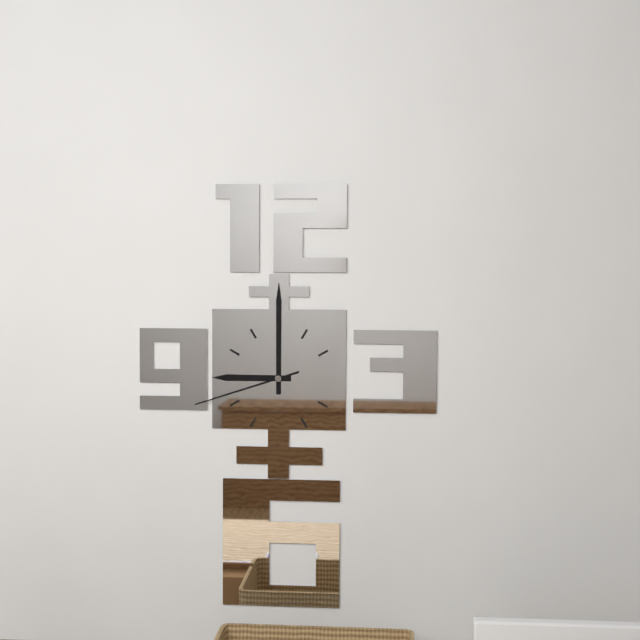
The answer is h=9 m=0 s=42
